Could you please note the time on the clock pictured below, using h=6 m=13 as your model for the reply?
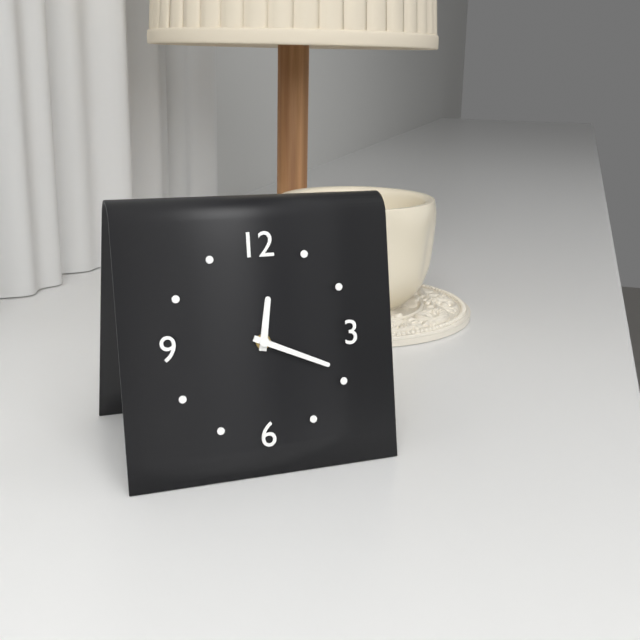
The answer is h=12 m=19
